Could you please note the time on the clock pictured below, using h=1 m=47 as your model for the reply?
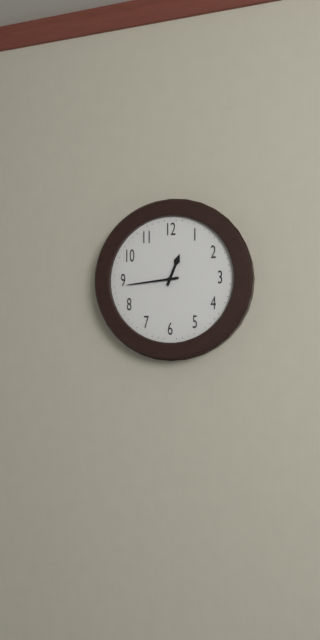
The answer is h=12 m=44
